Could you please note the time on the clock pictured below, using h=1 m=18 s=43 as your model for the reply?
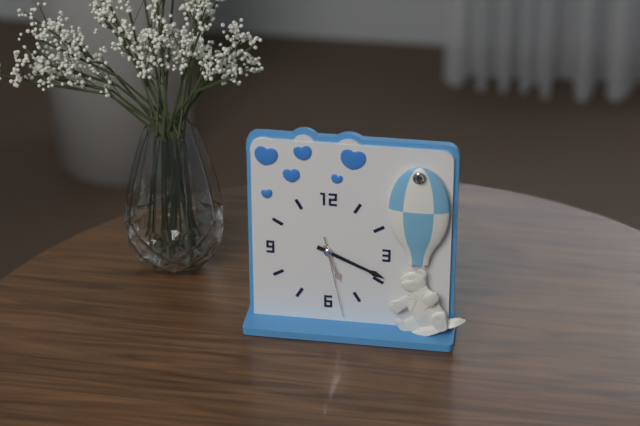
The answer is h=5 m=19 s=28
